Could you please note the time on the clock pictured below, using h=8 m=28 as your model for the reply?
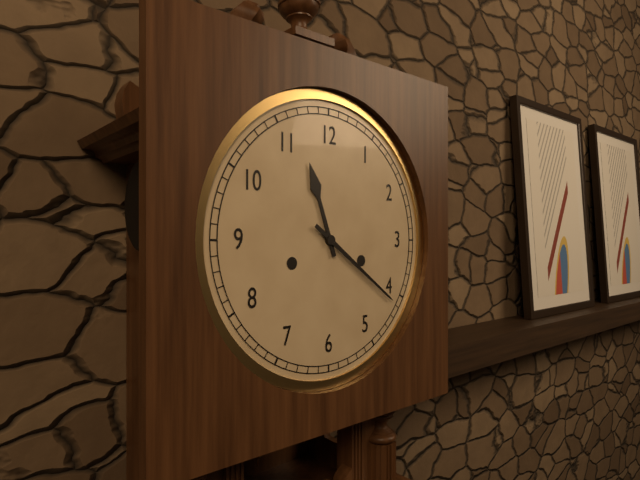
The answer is h=11 m=21
